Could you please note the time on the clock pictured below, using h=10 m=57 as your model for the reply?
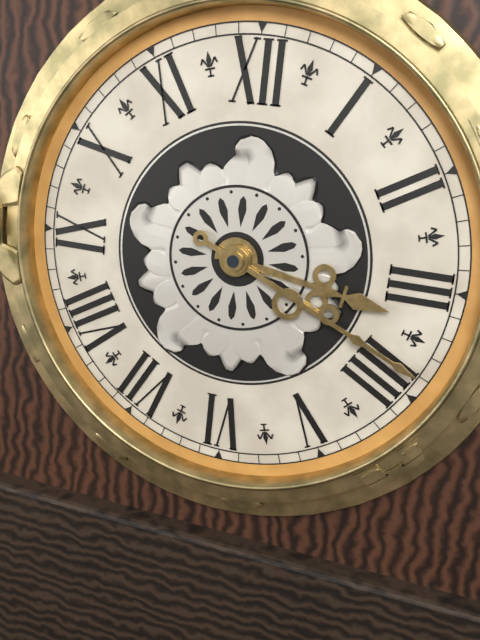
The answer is h=3 m=19
